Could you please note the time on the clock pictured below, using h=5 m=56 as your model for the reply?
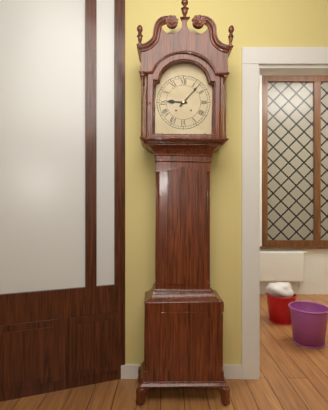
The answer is h=9 m=7
